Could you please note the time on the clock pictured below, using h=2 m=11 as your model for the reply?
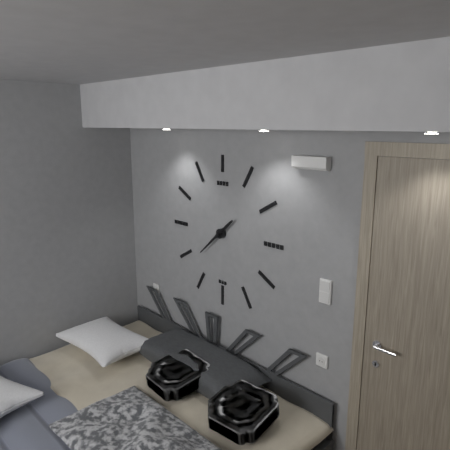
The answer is h=1 m=38
